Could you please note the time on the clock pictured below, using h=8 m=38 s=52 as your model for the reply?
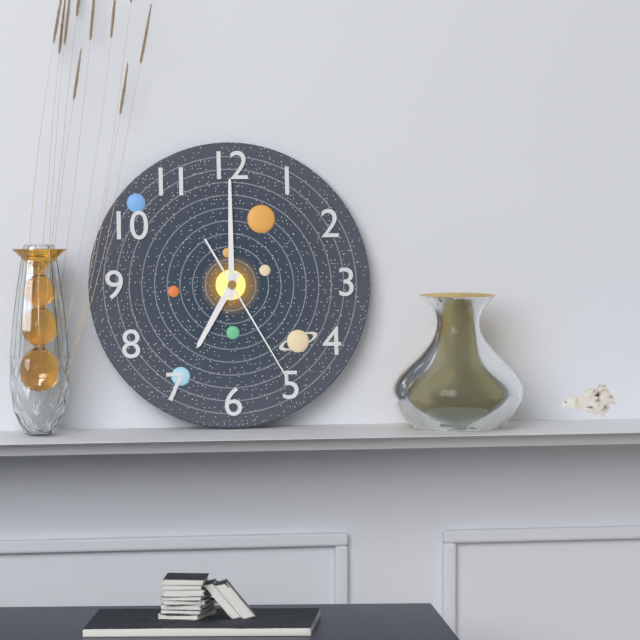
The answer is h=7 m=0 s=25
